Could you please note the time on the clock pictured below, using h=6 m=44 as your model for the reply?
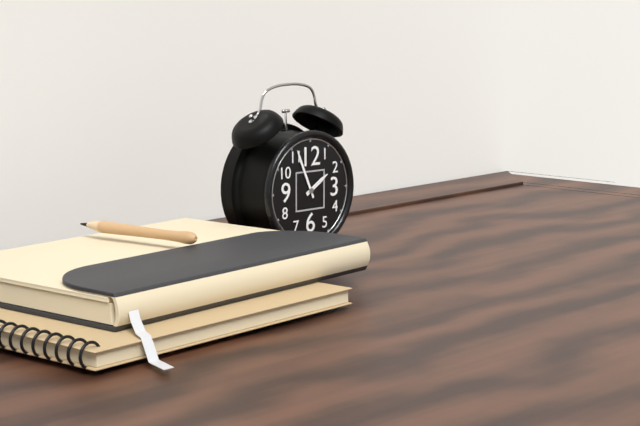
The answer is h=1 m=56
